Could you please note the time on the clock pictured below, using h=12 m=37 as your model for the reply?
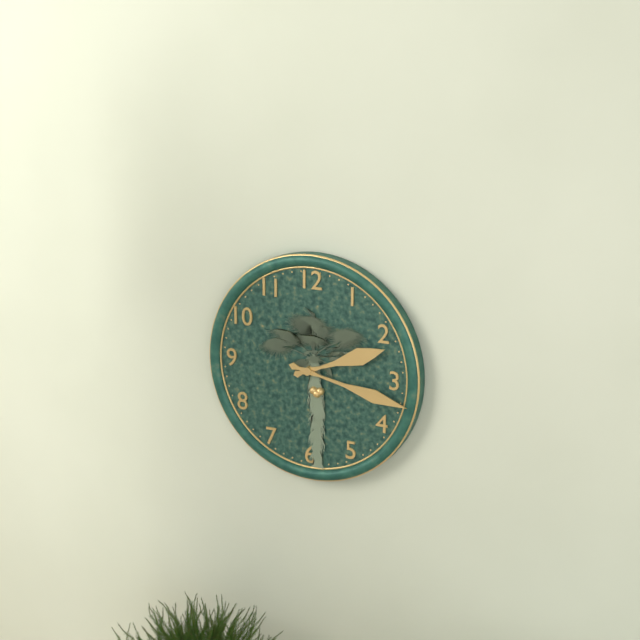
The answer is h=2 m=17
